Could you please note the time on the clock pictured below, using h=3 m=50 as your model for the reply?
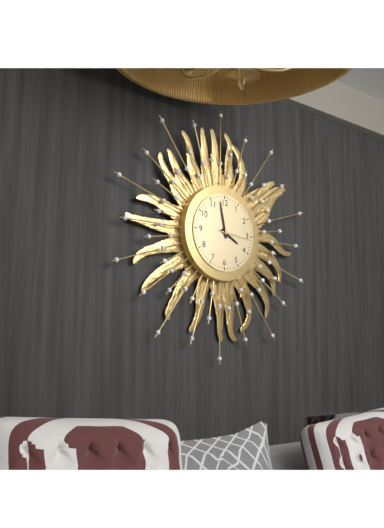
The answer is h=3 m=58
